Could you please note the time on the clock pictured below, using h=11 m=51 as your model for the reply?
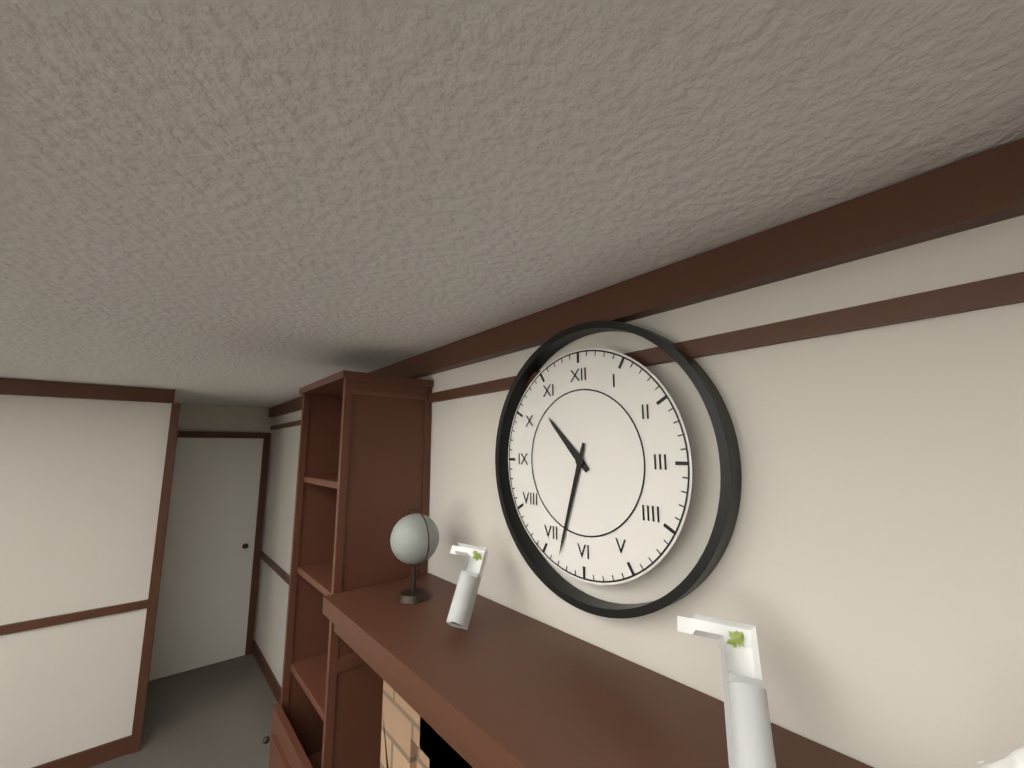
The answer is h=10 m=33
